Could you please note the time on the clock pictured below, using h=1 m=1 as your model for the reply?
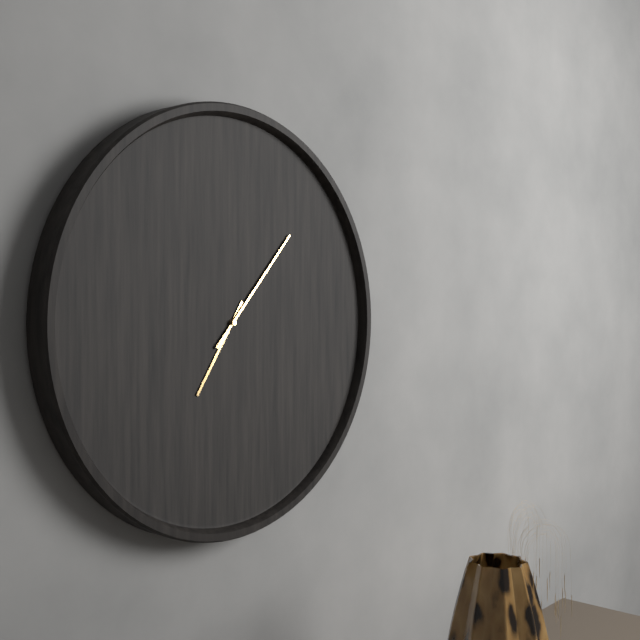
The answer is h=7 m=7
